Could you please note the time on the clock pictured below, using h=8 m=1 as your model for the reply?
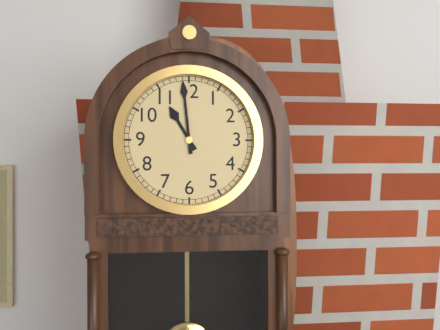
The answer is h=10 m=59
